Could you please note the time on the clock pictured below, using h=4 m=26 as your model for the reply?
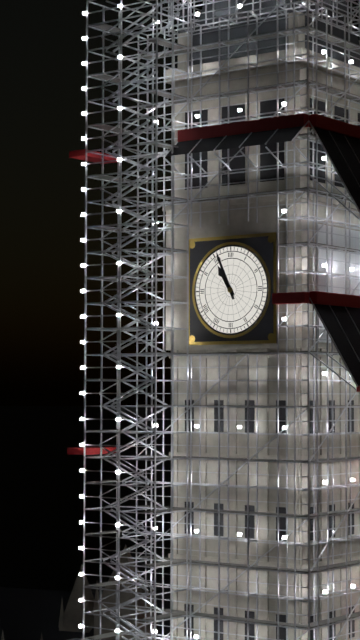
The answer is h=10 m=56
